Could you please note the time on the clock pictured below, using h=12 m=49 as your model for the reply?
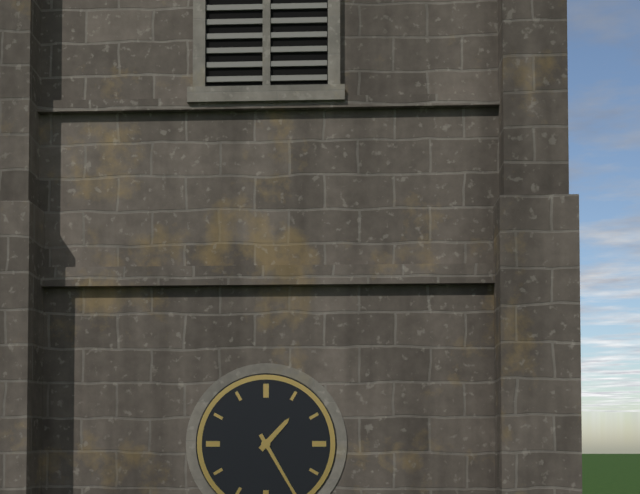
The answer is h=1 m=25
